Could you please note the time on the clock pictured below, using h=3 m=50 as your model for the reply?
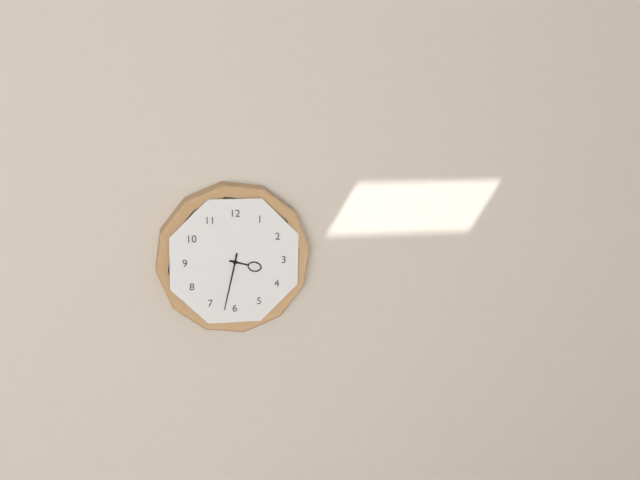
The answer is h=3 m=32
